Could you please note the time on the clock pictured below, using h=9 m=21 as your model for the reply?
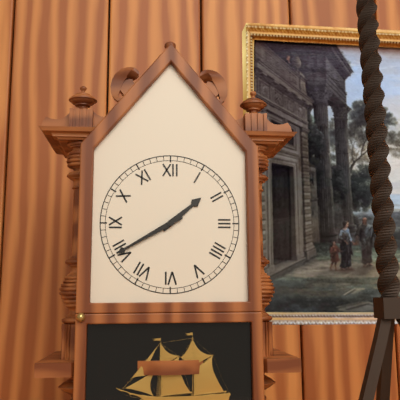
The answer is h=1 m=40
